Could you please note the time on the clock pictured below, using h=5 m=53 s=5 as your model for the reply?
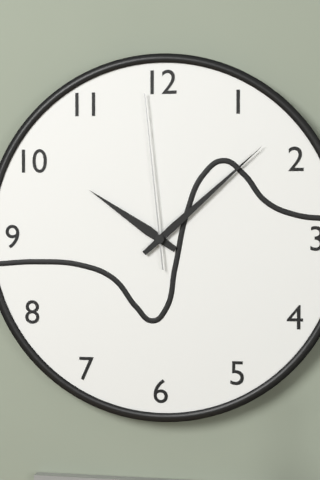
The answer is h=10 m=8 s=59
